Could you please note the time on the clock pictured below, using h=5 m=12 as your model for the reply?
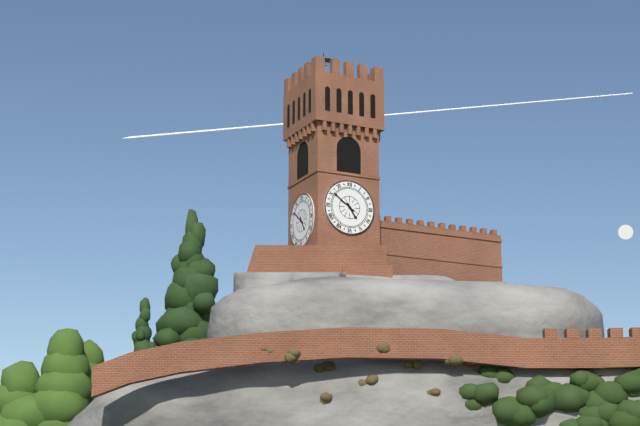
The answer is h=4 m=51
